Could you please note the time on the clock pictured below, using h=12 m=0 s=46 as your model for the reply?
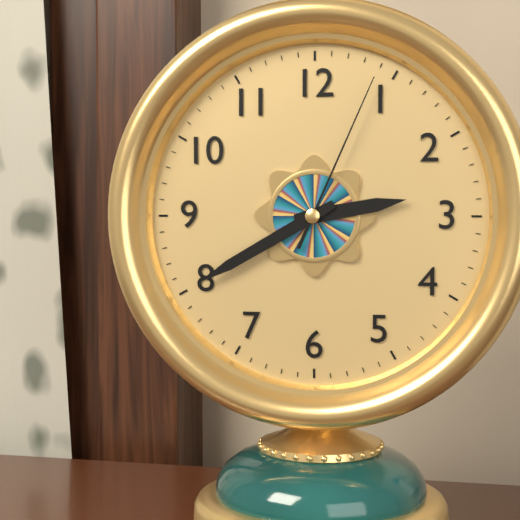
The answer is h=2 m=40 s=4
